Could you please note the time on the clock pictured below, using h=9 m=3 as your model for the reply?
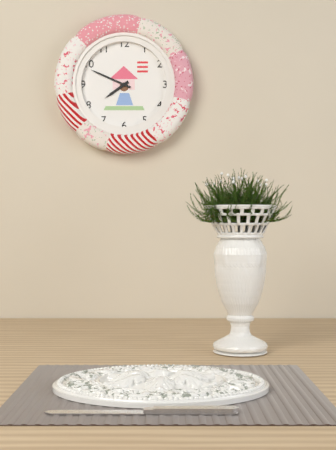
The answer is h=7 m=49
